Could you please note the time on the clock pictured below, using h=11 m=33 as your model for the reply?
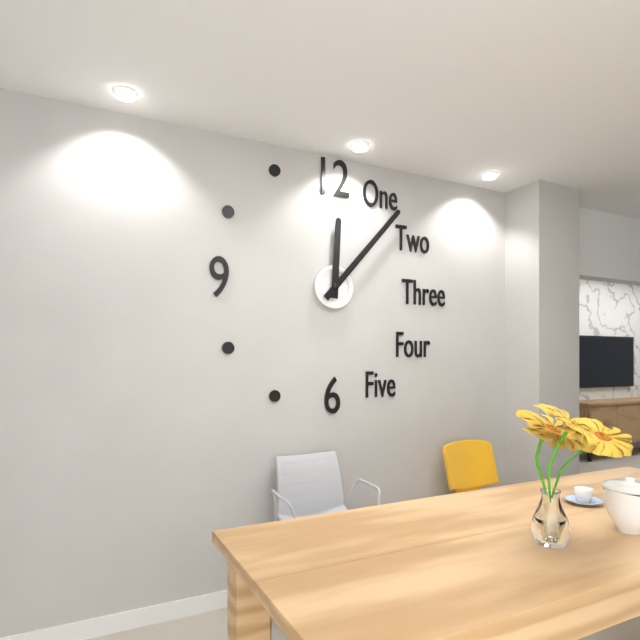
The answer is h=12 m=7
